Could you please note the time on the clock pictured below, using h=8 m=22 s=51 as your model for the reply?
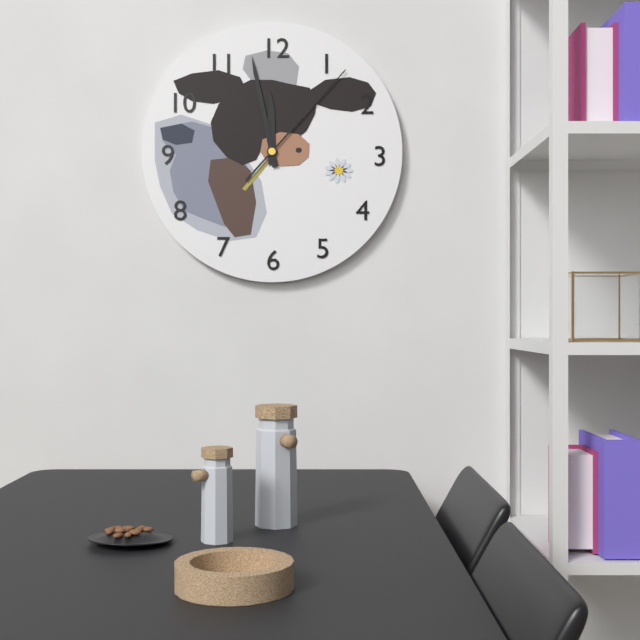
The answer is h=11 m=58 s=7
